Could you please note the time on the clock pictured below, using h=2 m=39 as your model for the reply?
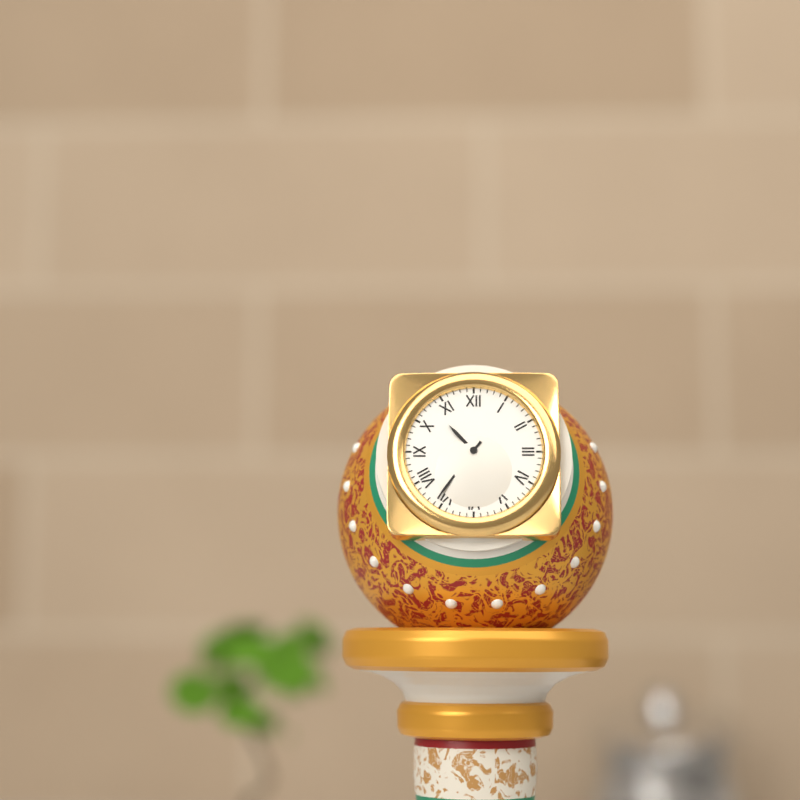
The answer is h=10 m=36
